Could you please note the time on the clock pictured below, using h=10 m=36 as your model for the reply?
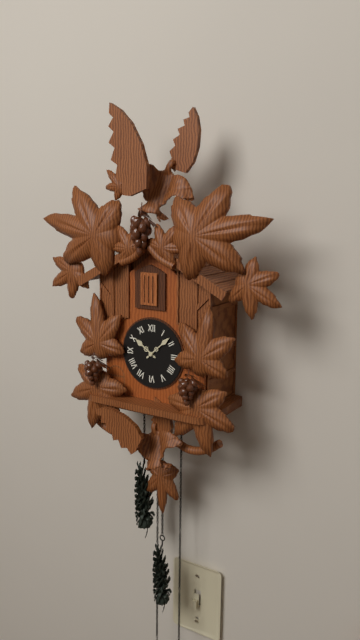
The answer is h=10 m=8
